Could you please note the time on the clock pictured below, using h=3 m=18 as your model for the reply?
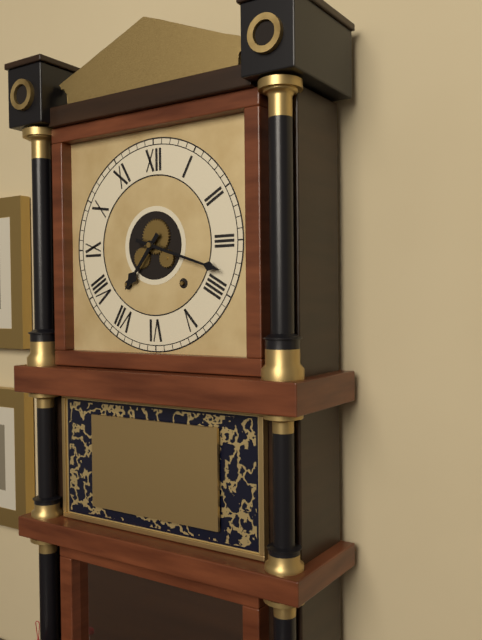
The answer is h=7 m=18
